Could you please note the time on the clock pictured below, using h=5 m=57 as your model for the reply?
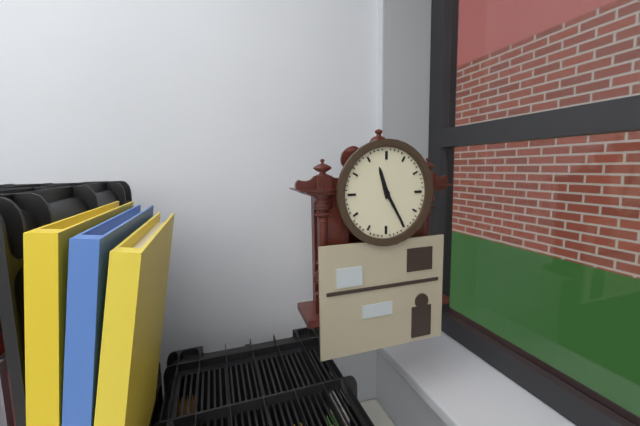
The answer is h=11 m=25
